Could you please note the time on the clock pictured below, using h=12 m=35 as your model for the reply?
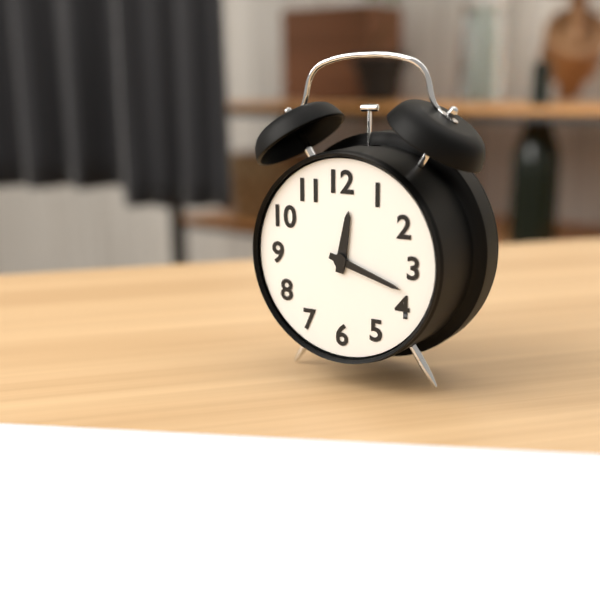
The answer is h=12 m=18
